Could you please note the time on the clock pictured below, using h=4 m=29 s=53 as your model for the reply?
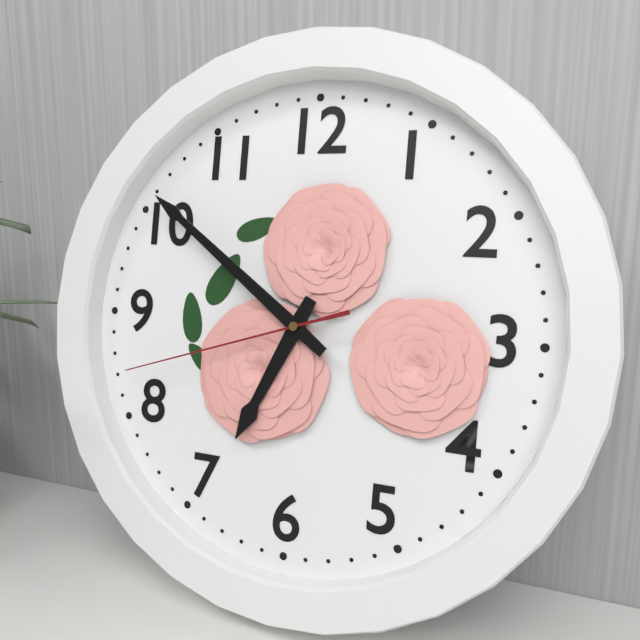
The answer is h=6 m=51 s=42
